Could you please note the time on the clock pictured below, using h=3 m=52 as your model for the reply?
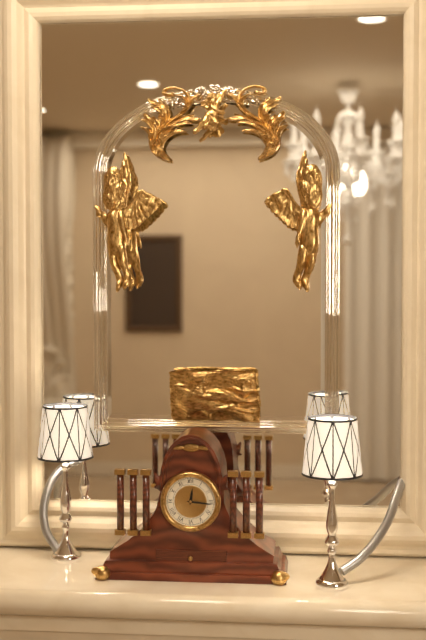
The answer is h=12 m=16
